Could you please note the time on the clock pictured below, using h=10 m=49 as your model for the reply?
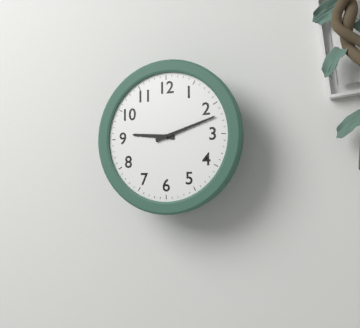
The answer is h=9 m=12
